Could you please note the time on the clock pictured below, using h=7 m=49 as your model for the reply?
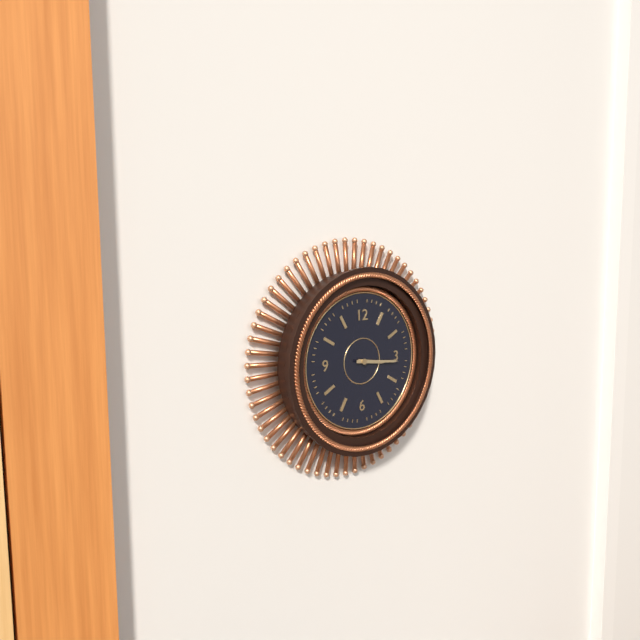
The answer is h=3 m=16
